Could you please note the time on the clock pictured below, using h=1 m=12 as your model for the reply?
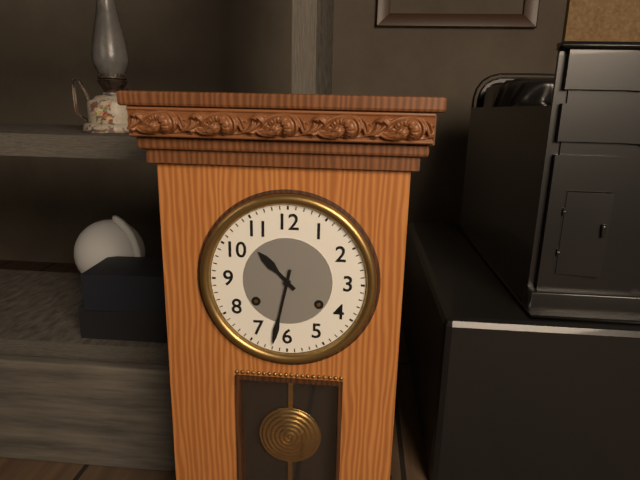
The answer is h=10 m=32
